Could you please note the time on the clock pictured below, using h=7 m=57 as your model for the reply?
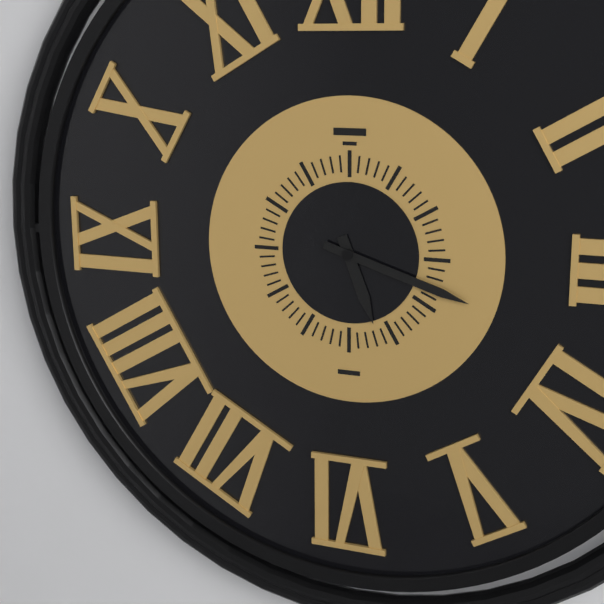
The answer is h=5 m=18
